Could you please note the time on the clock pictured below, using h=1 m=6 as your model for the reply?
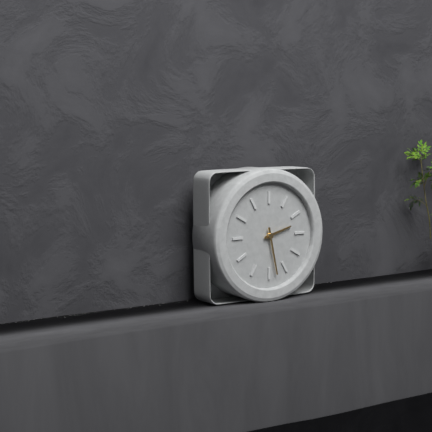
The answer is h=2 m=28
